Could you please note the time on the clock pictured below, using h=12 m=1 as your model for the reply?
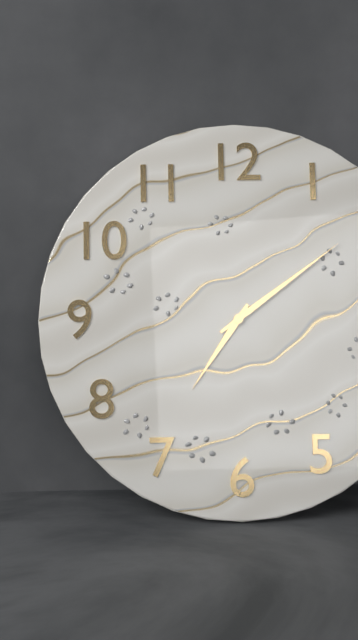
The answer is h=7 m=9
